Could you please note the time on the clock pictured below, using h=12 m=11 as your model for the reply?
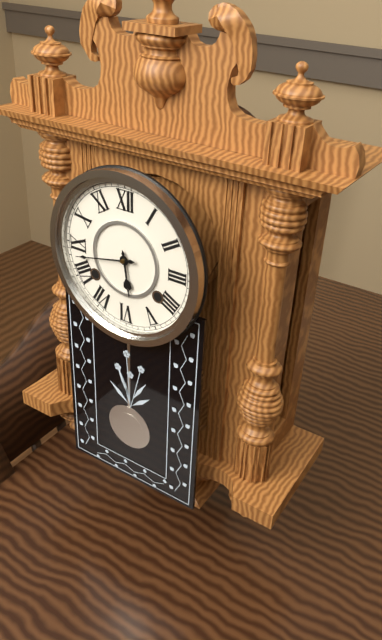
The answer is h=5 m=43
